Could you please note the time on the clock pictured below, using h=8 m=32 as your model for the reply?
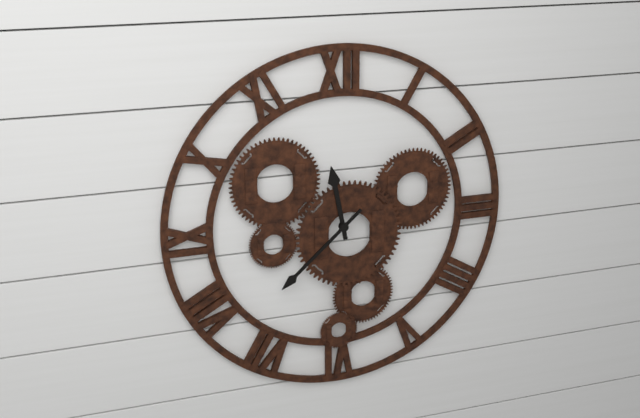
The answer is h=11 m=38
